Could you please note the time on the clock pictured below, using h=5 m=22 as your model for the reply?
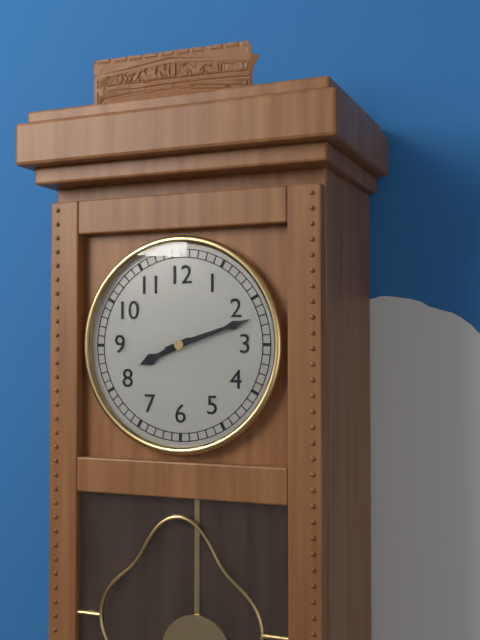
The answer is h=8 m=12
